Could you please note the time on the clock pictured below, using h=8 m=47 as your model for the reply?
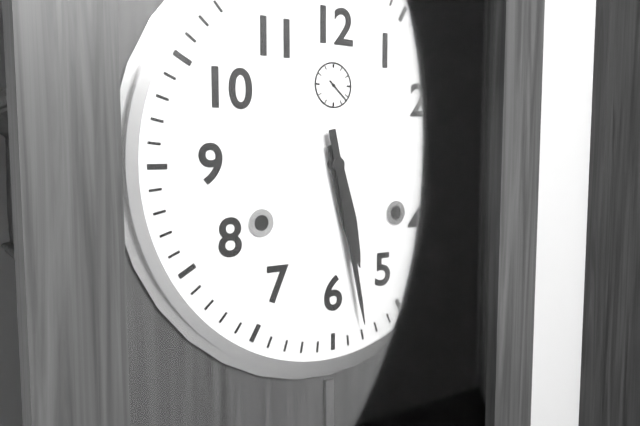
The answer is h=5 m=28
